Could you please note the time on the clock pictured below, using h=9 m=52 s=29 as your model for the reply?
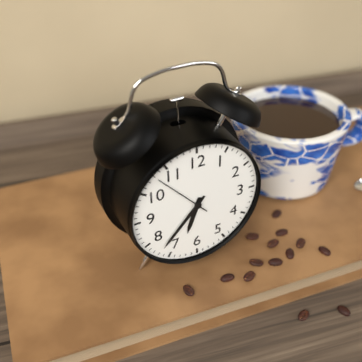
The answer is h=6 m=37 s=53
